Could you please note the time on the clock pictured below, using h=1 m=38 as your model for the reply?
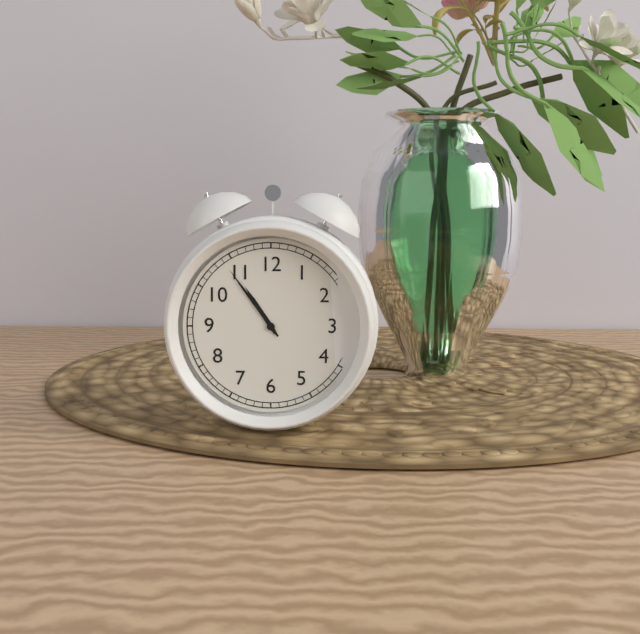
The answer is h=10 m=54
